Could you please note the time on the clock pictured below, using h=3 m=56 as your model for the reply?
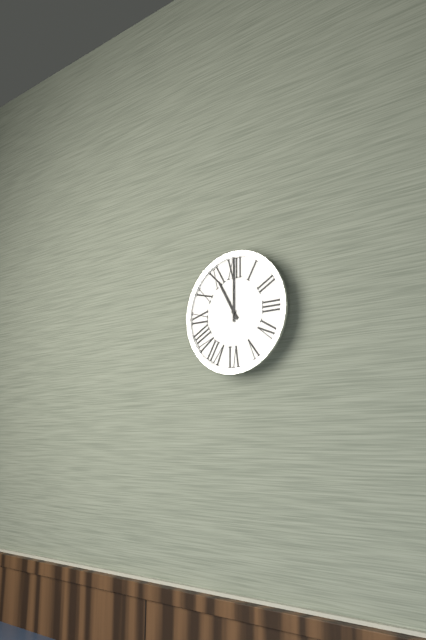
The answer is h=11 m=0
